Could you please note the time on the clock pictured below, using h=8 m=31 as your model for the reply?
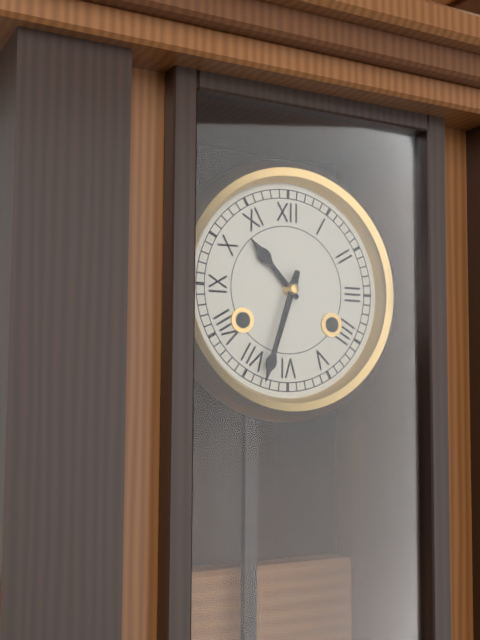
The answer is h=10 m=33
